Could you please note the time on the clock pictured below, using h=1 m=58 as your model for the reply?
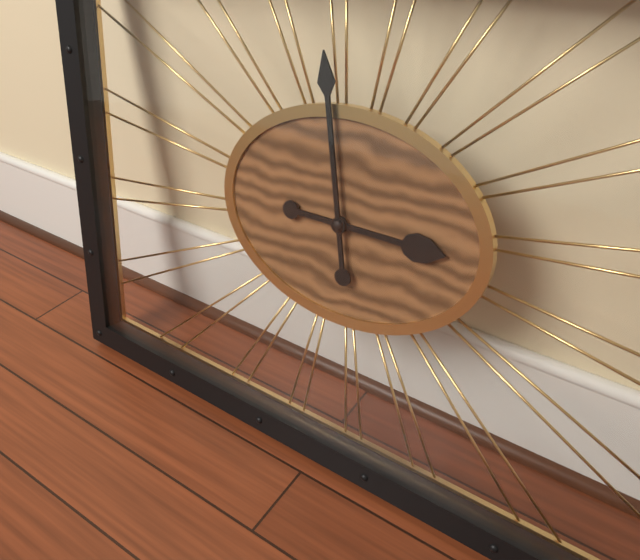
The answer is h=2 m=58
